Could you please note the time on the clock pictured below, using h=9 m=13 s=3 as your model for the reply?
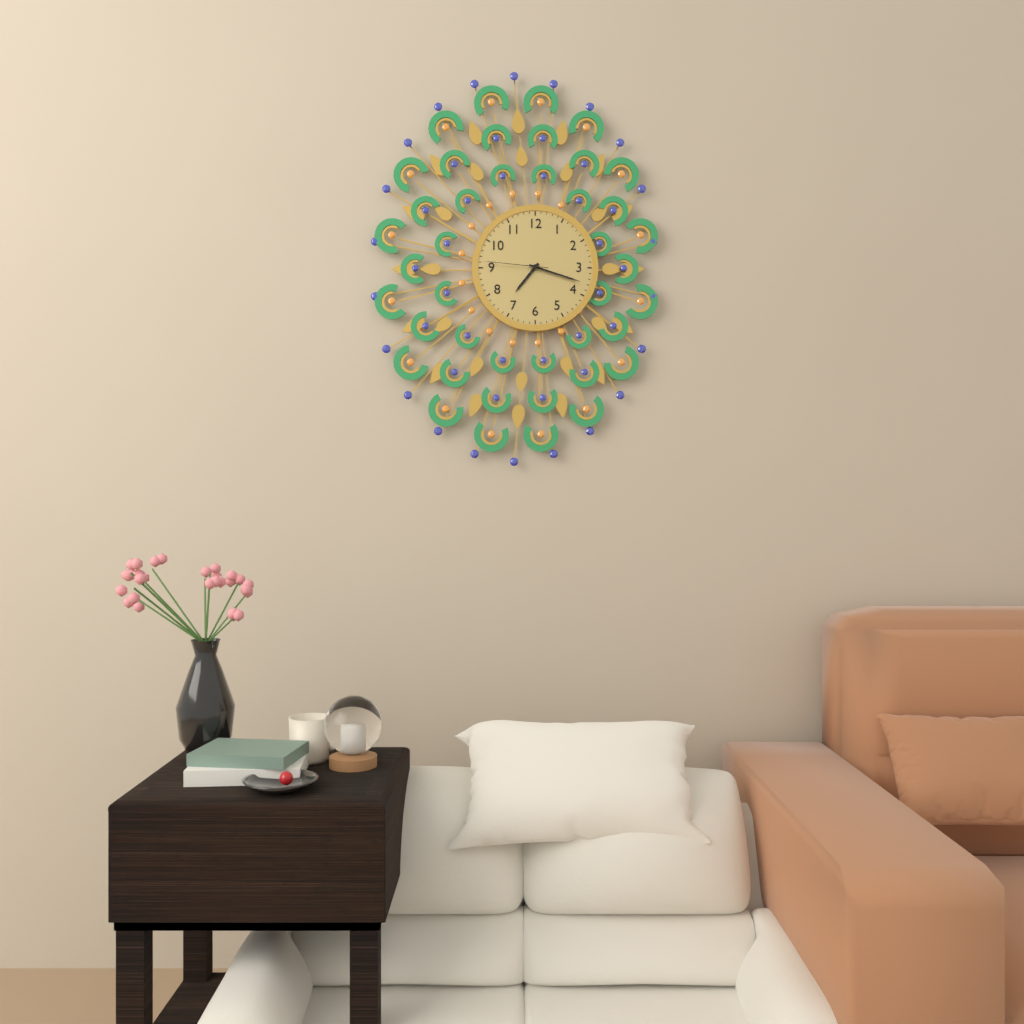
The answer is h=7 m=18 s=46
